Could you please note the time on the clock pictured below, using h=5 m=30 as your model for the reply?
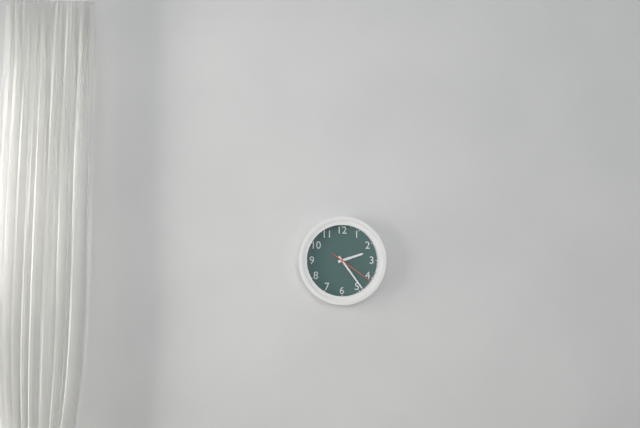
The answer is h=2 m=24
